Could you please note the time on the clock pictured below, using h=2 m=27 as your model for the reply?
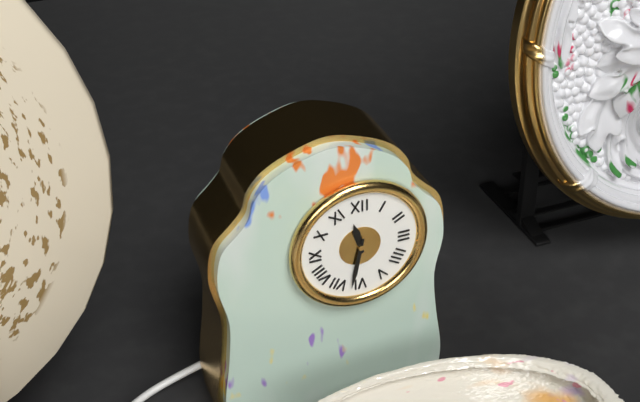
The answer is h=11 m=32
